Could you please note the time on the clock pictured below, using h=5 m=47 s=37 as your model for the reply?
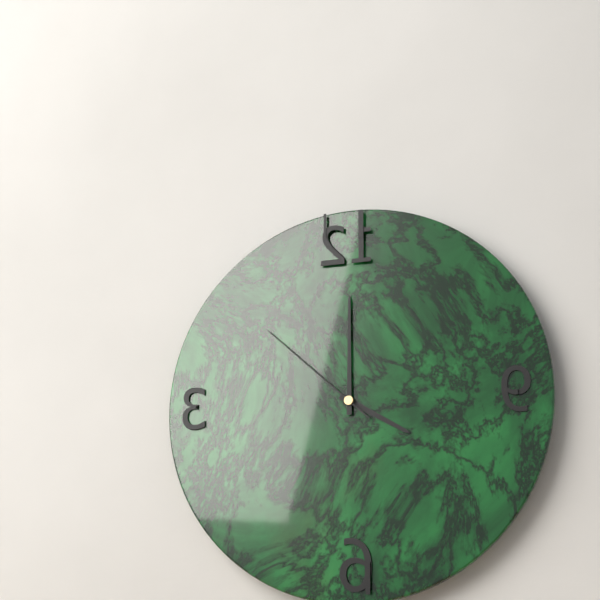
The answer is h=4 m=0 s=52
